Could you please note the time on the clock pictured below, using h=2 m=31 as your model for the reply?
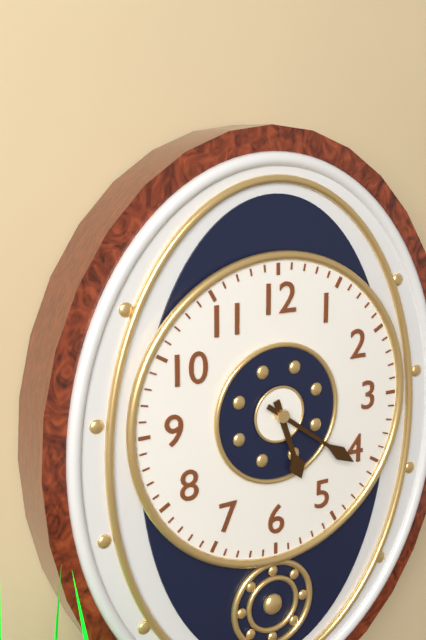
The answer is h=5 m=21
